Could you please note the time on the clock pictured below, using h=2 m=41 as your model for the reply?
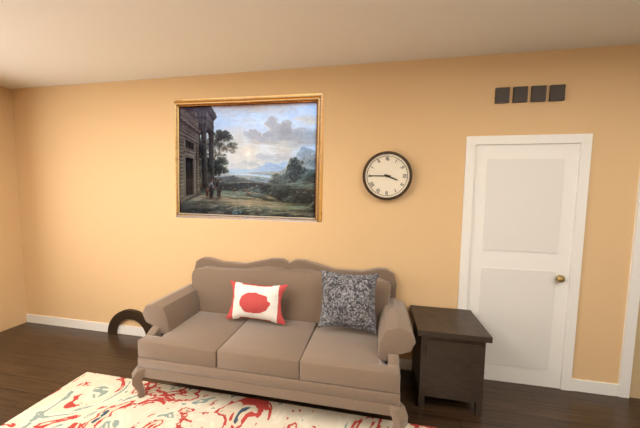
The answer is h=3 m=45
